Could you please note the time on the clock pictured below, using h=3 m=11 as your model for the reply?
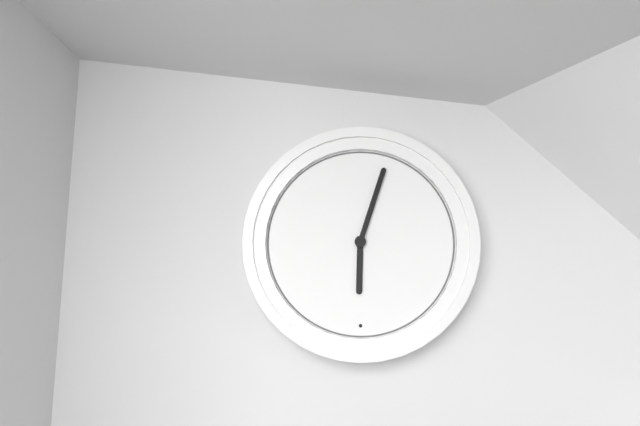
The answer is h=6 m=3
